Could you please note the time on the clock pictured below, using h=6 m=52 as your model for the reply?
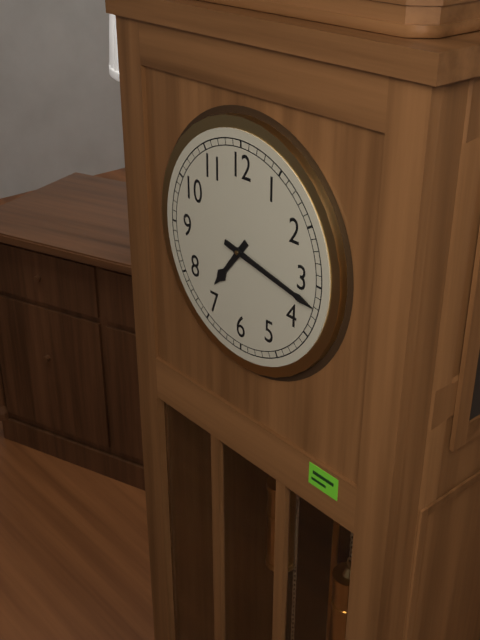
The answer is h=7 m=17
